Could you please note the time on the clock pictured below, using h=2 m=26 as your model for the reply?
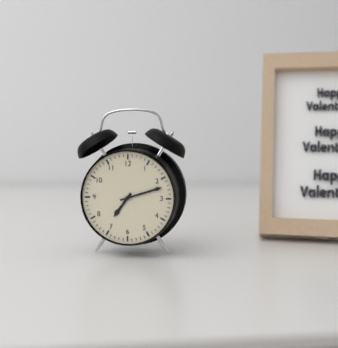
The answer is h=7 m=12
